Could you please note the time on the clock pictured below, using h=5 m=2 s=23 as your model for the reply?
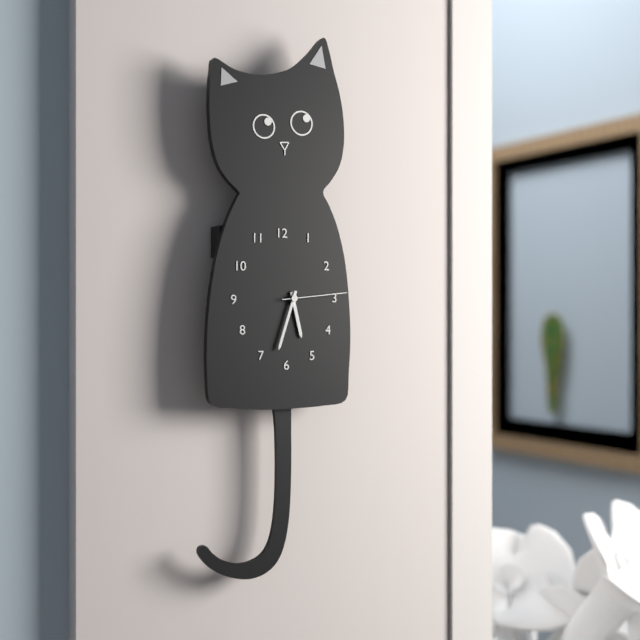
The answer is h=5 m=33 s=14
